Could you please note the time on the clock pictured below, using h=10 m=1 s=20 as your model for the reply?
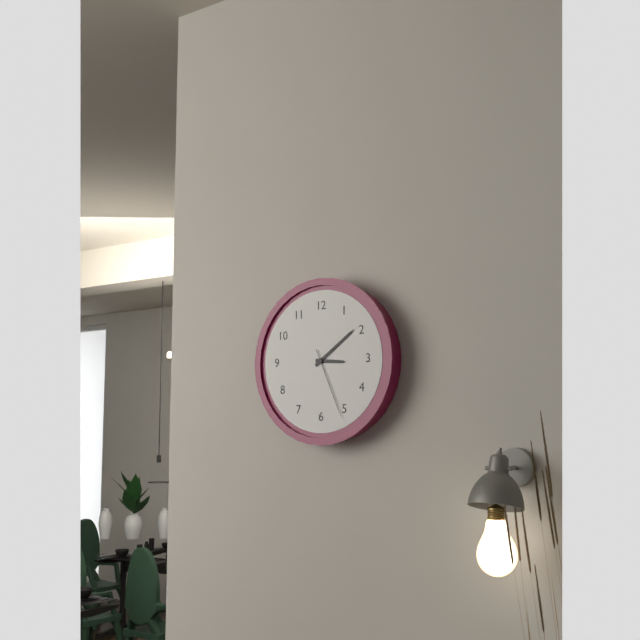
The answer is h=3 m=9 s=26
